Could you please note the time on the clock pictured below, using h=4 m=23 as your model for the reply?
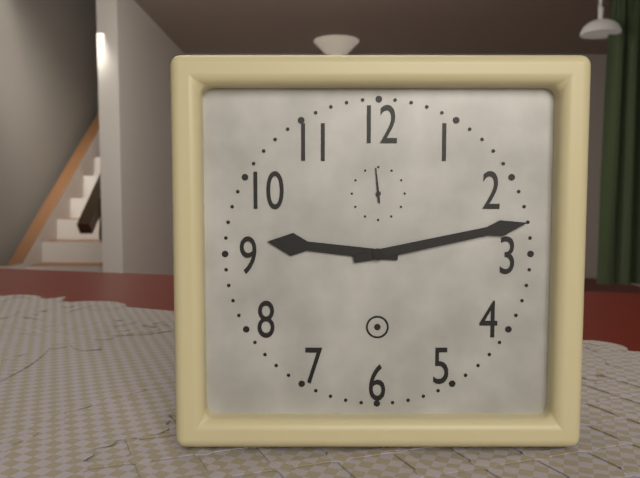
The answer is h=9 m=13
